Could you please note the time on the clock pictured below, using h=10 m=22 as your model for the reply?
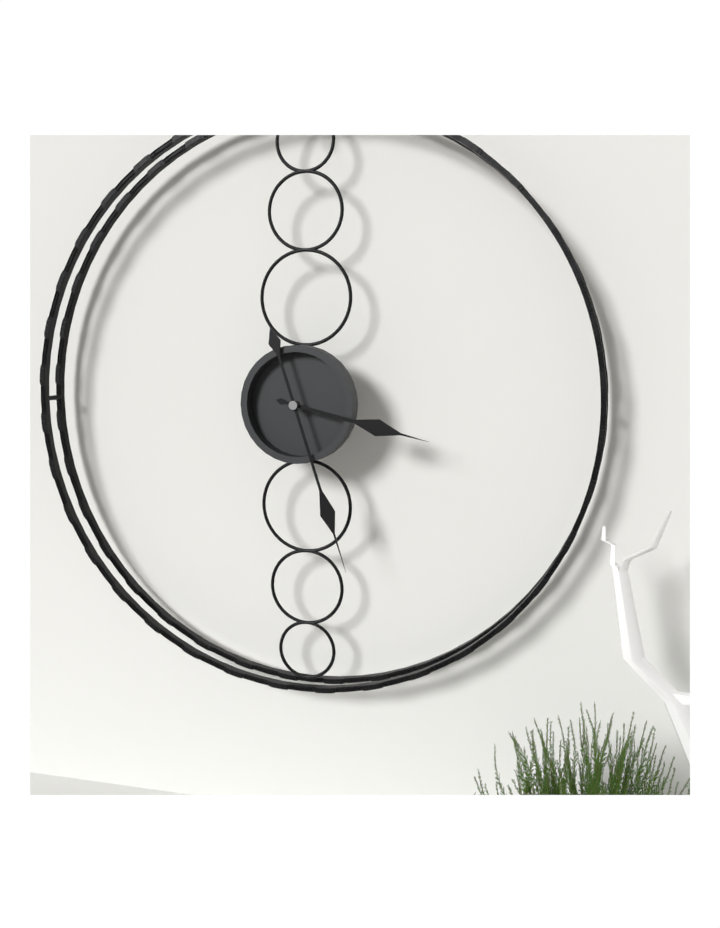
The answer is h=3 m=27
